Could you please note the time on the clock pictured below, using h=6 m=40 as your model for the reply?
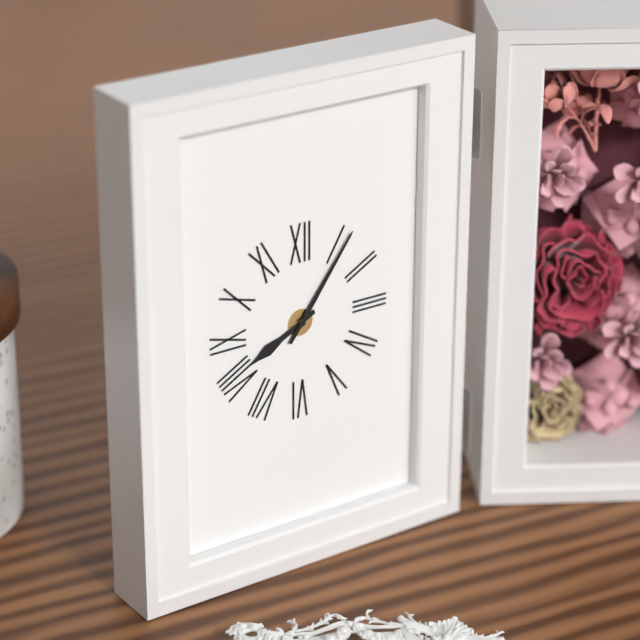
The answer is h=8 m=6
